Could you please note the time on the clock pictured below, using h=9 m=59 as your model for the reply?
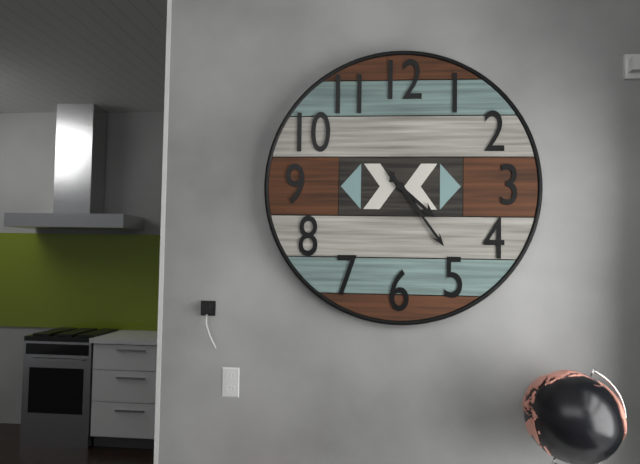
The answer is h=4 m=24
